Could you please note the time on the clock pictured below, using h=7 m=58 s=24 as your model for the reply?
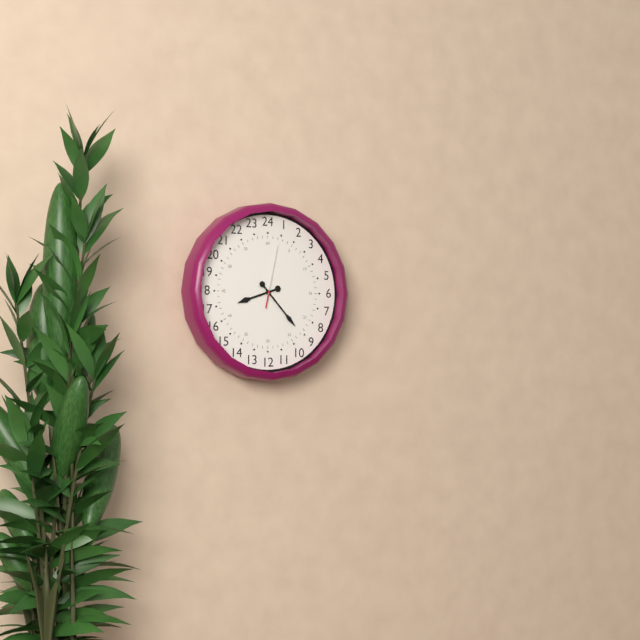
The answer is h=8 m=23 s=2
